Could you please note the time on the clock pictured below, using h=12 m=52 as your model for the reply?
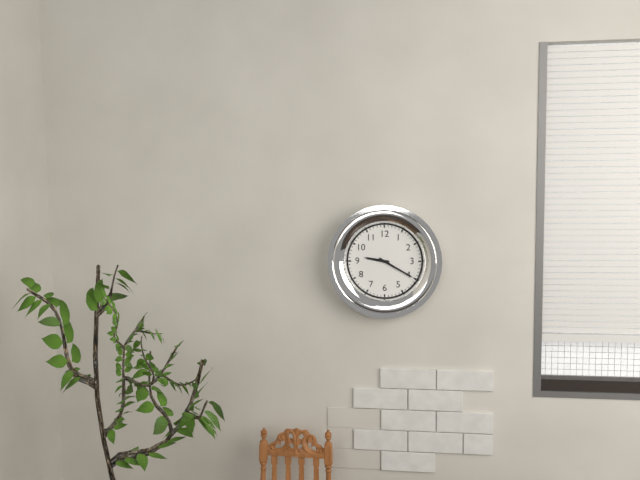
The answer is h=9 m=20
